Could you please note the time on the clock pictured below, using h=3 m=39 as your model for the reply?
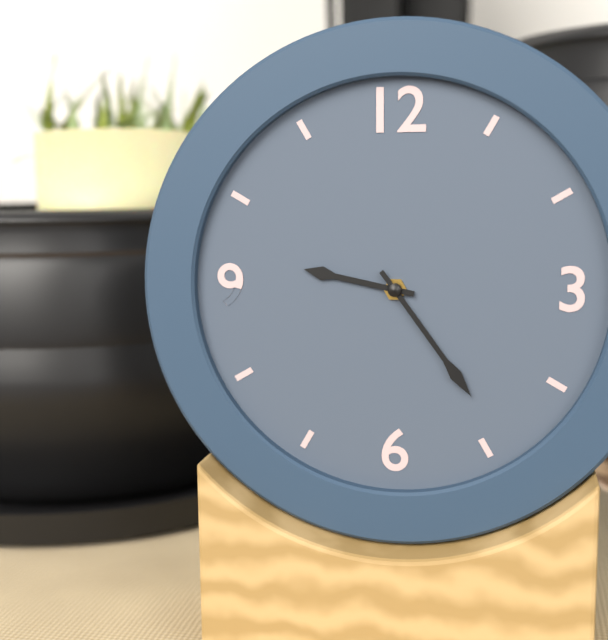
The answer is h=9 m=24
